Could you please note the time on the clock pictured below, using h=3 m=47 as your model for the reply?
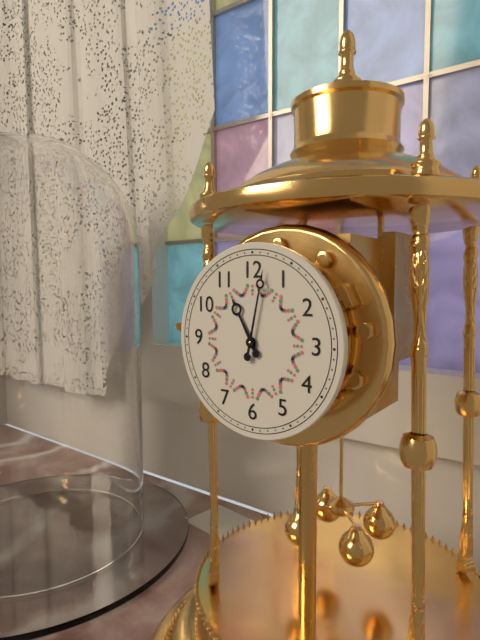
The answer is h=11 m=2
